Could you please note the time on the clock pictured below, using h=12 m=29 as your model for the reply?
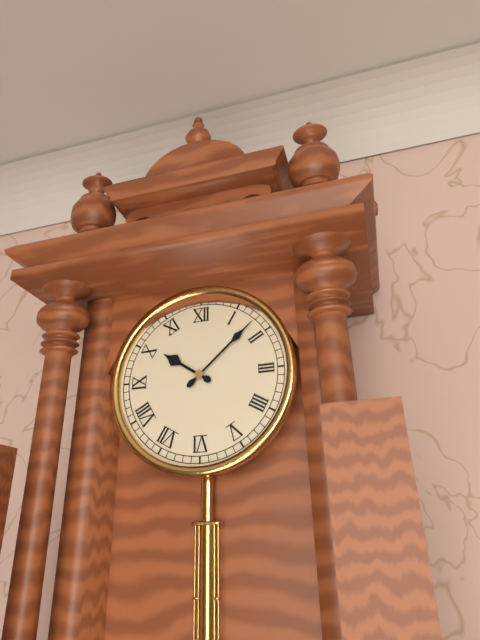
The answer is h=10 m=8
